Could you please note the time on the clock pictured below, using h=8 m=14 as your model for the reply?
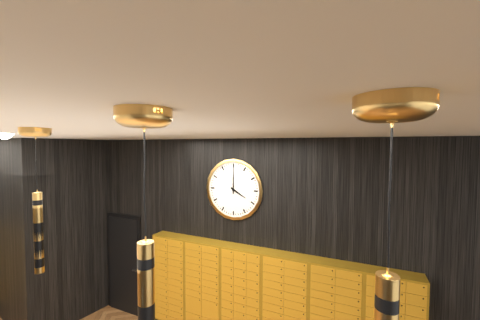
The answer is h=4 m=0
